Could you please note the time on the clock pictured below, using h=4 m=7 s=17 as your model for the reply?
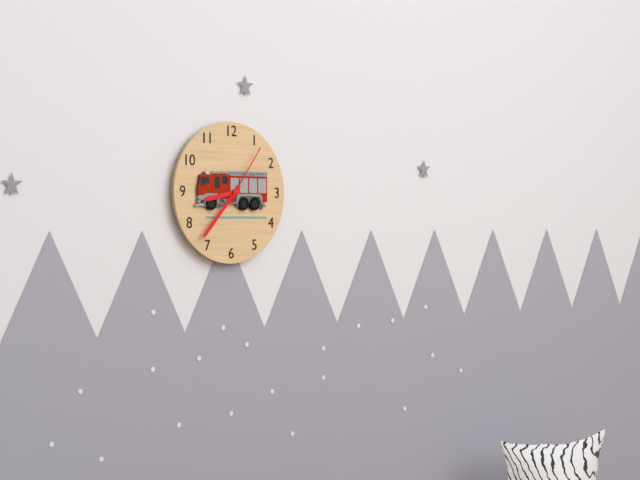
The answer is h=8 m=37 s=6
